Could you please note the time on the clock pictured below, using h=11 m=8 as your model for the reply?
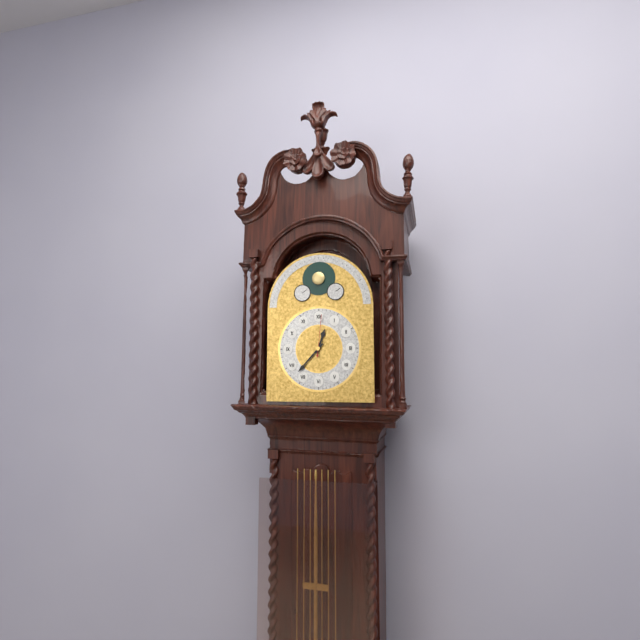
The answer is h=12 m=37
